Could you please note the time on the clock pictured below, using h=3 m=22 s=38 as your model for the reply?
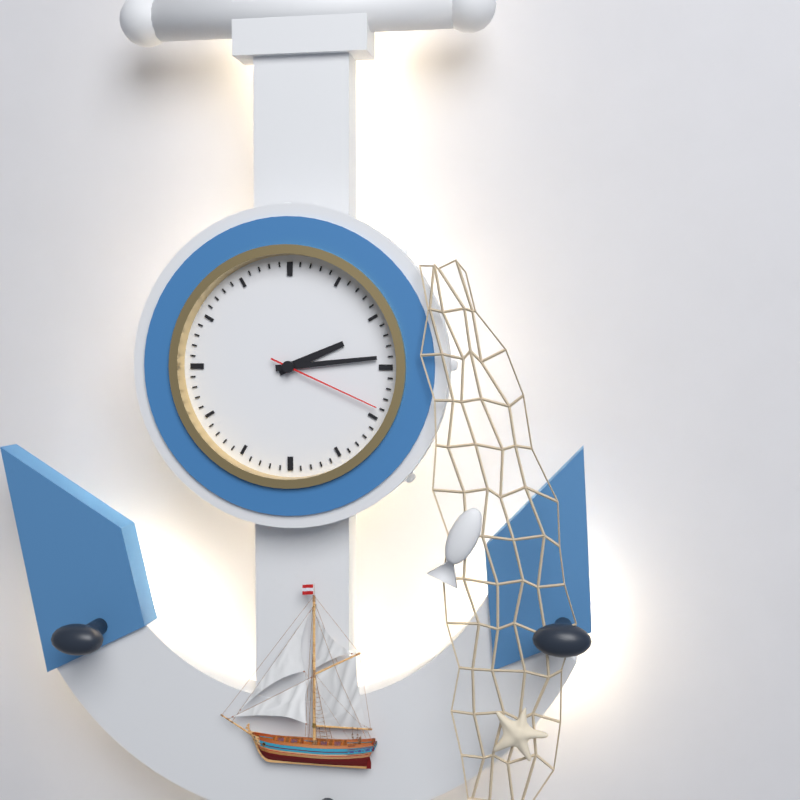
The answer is h=2 m=14 s=19
